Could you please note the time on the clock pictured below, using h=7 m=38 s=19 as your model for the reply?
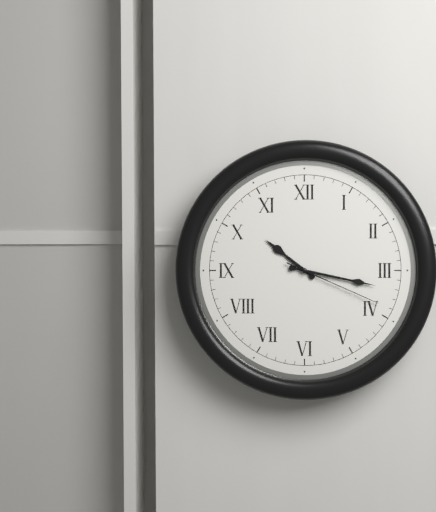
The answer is h=10 m=17 s=19
